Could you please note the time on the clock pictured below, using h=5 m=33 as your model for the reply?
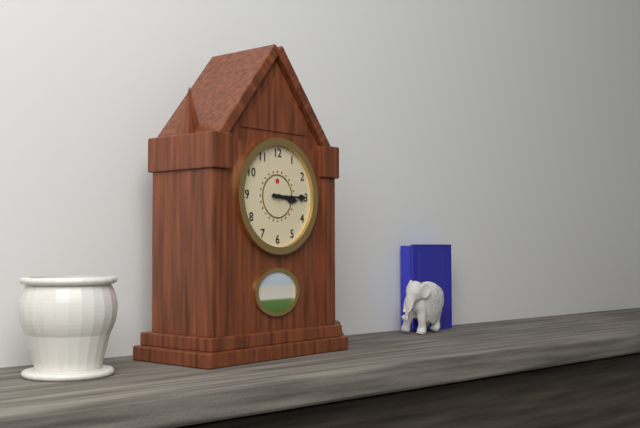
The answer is h=3 m=15
